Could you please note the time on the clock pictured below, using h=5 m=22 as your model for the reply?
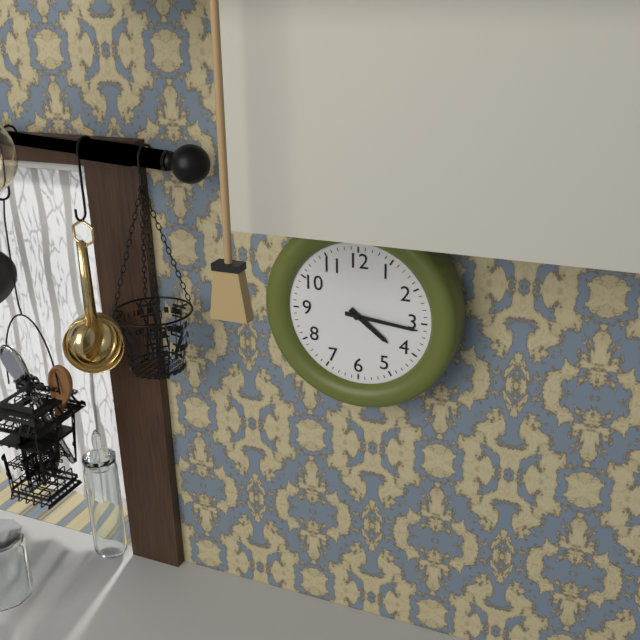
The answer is h=4 m=16
